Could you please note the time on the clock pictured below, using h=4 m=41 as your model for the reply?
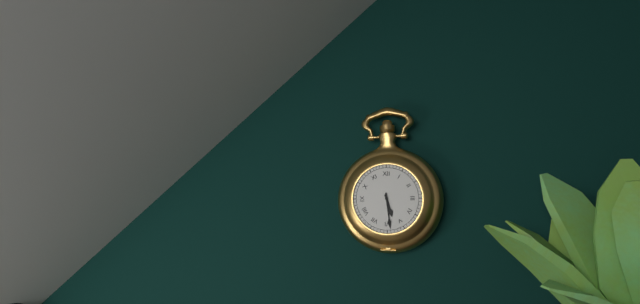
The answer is h=5 m=29
